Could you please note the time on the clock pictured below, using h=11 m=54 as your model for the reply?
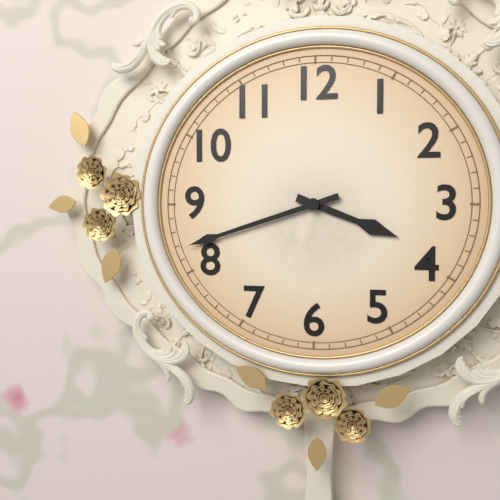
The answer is h=3 m=42
